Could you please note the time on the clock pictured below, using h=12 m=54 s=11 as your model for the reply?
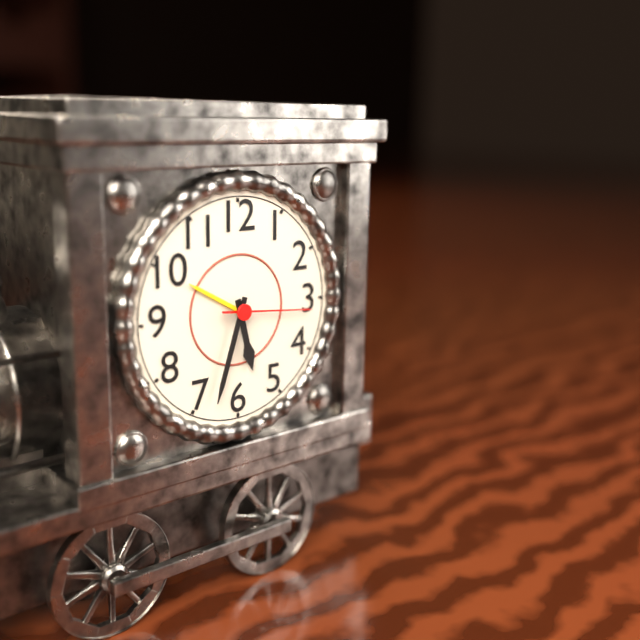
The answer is h=5 m=33 s=16
